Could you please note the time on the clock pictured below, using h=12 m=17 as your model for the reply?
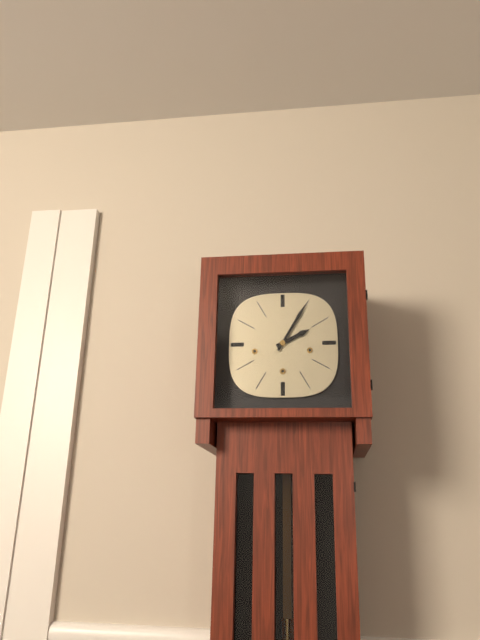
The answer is h=2 m=5
